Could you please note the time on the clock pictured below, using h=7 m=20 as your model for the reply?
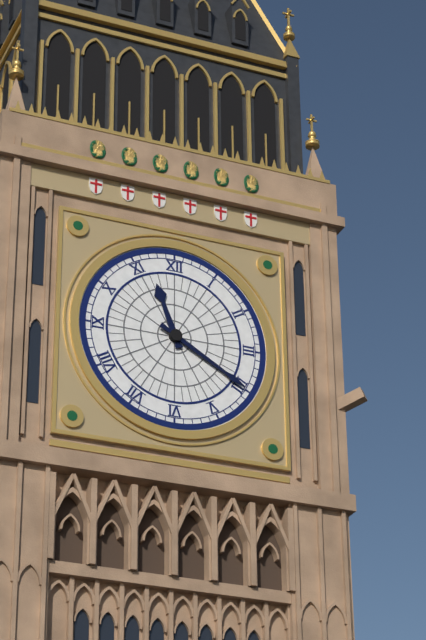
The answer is h=11 m=20
